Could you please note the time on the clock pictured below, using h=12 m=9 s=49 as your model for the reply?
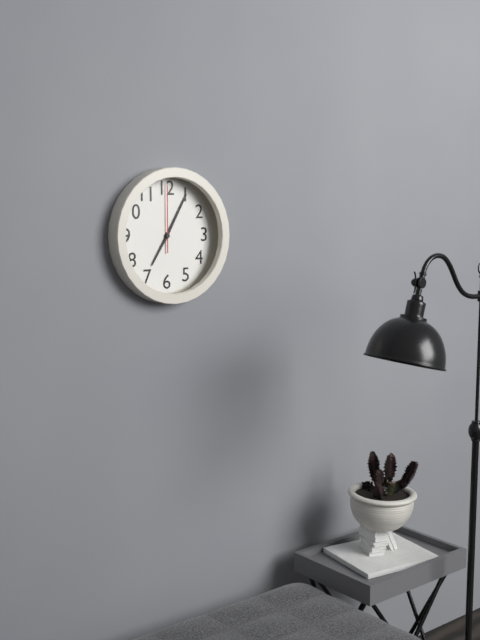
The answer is h=7 m=5 s=0
